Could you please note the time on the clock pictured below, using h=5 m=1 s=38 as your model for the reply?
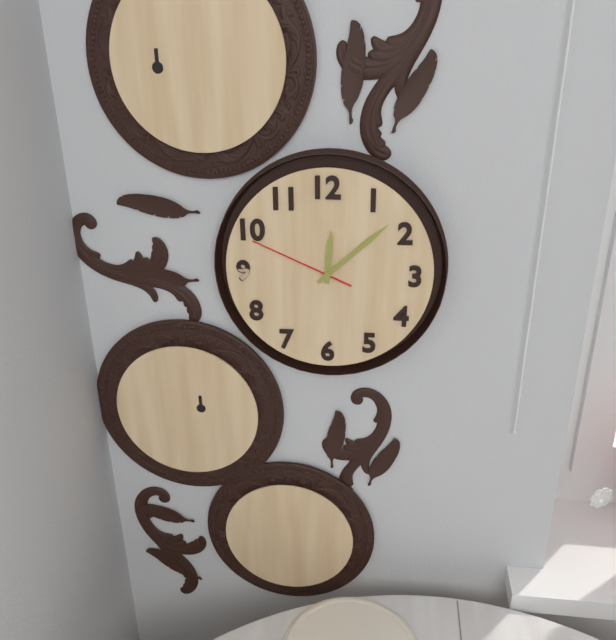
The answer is h=12 m=8 s=49
